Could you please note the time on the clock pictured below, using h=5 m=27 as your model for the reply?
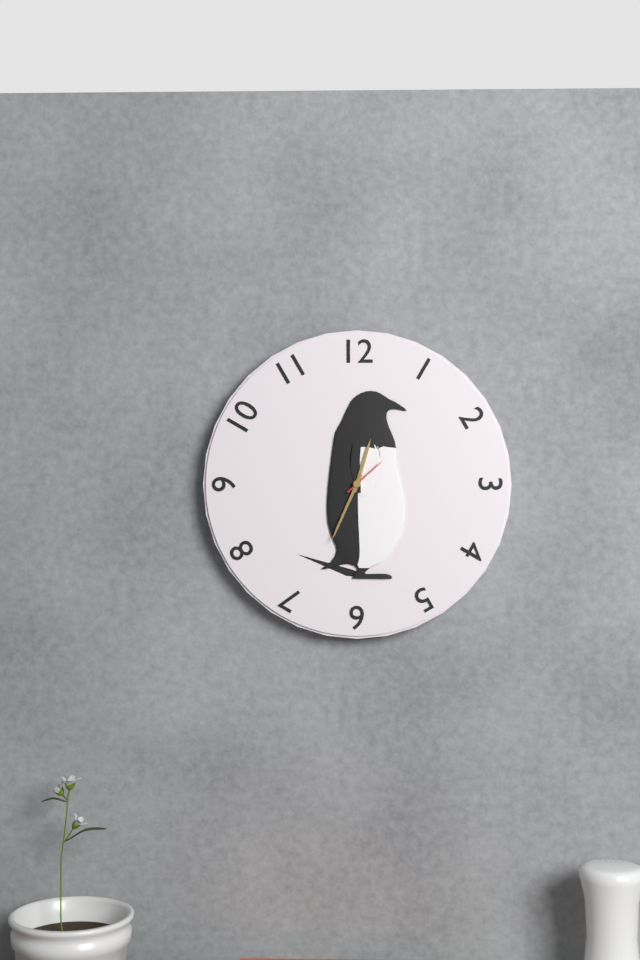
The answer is h=12 m=34
